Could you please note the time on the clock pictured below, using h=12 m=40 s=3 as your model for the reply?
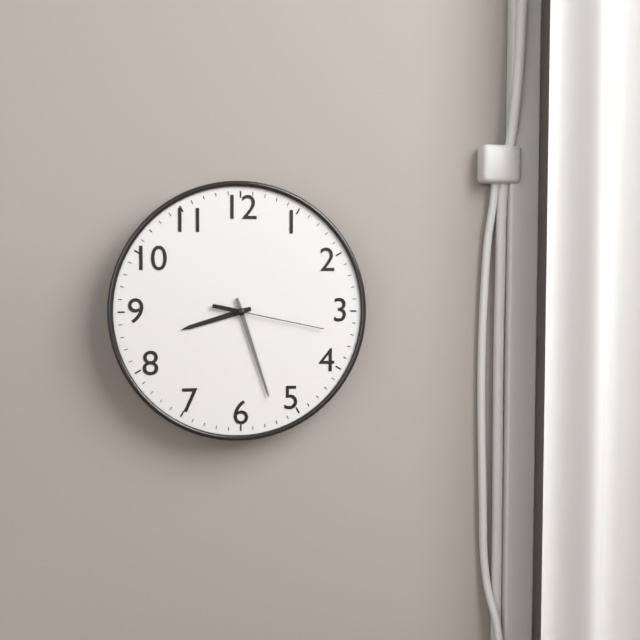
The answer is h=8 m=27 s=17
